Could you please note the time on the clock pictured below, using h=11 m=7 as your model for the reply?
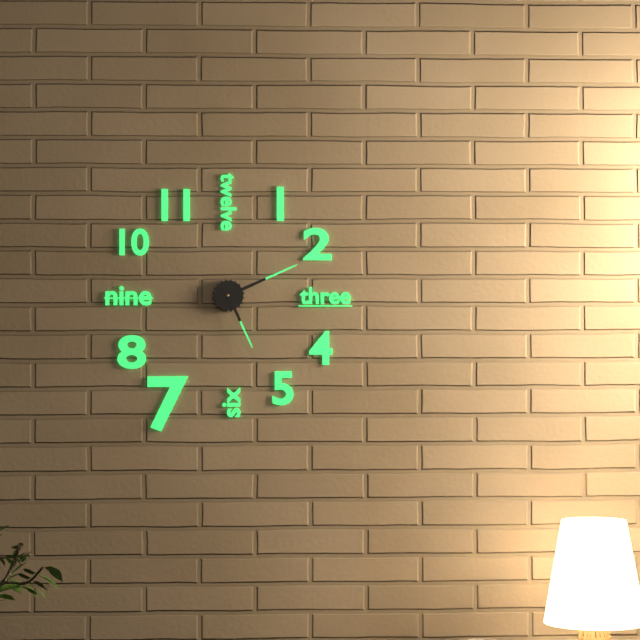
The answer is h=5 m=11
